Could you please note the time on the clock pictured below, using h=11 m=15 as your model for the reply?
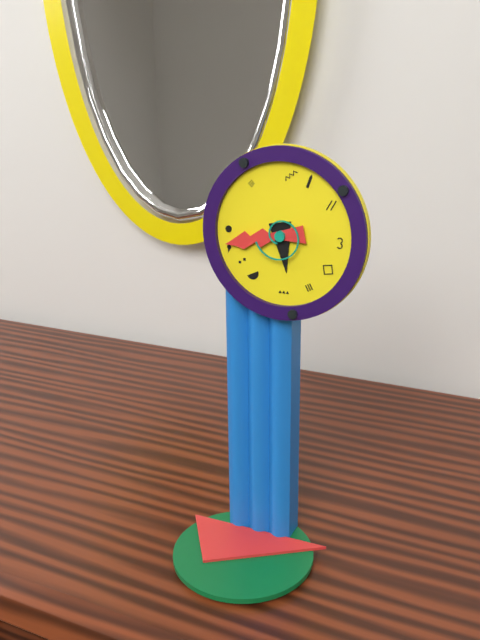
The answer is h=5 m=43
